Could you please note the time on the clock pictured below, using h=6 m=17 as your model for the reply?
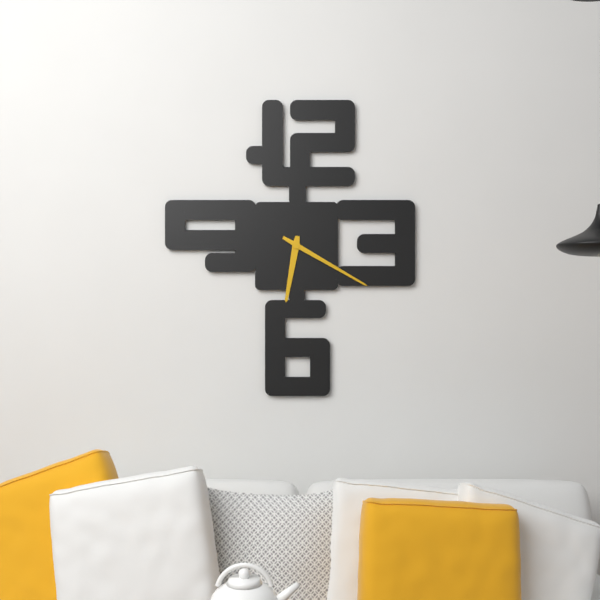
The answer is h=6 m=20
